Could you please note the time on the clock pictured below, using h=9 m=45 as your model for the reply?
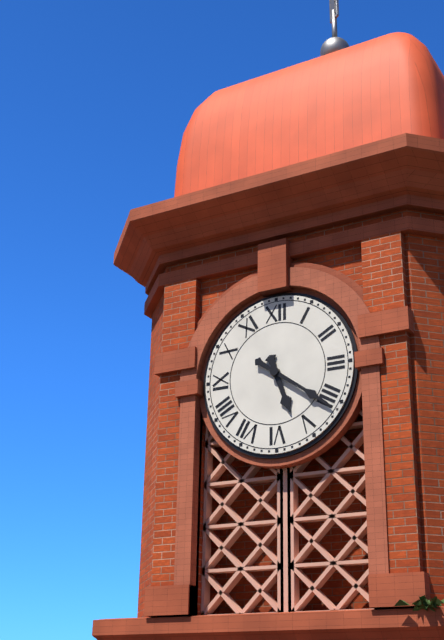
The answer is h=5 m=21
